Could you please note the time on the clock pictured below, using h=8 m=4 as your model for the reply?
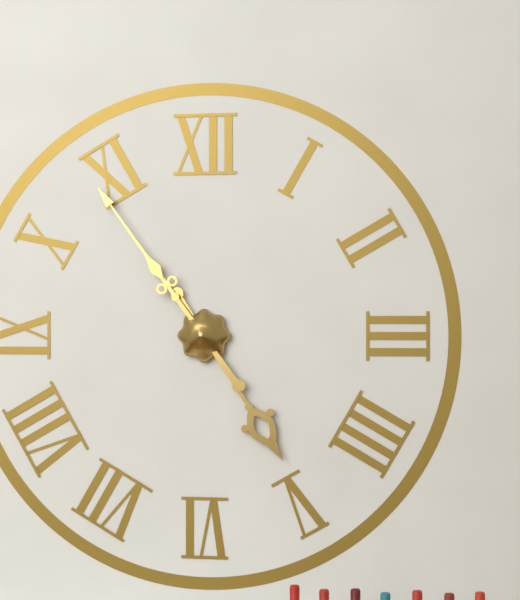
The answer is h=4 m=54
